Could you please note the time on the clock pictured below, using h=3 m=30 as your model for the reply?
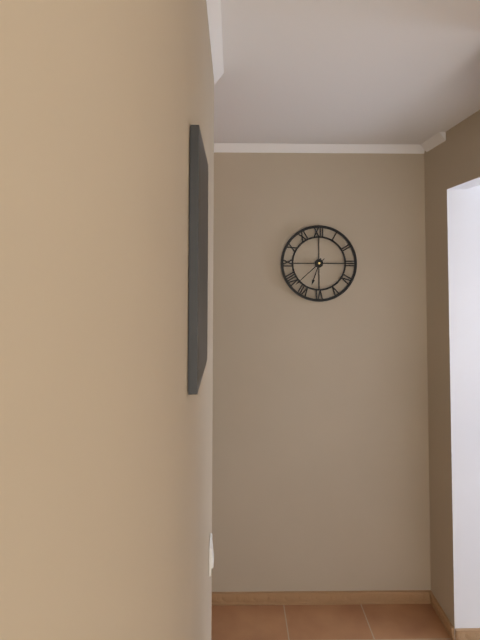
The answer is h=6 m=38
